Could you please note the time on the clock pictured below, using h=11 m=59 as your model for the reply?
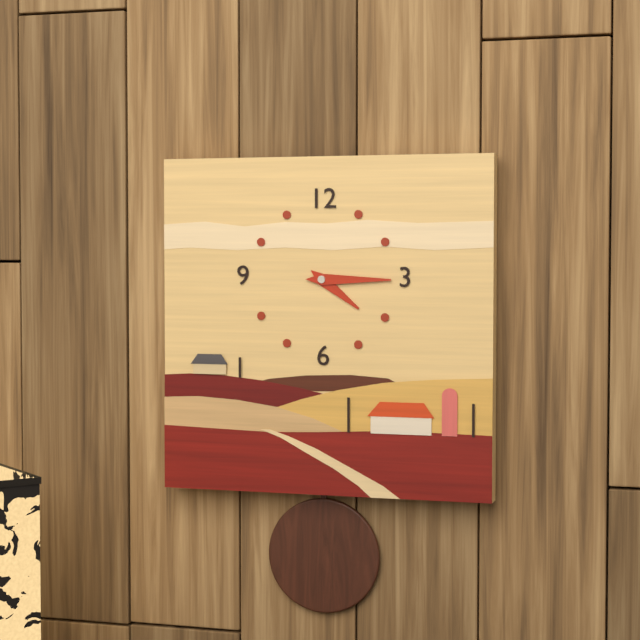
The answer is h=4 m=15
